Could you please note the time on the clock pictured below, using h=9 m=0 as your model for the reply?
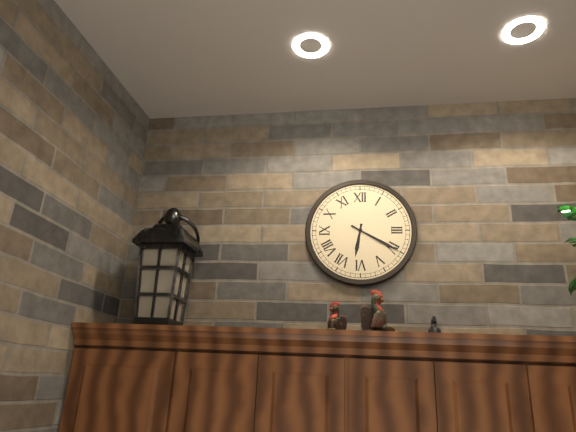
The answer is h=6 m=20
